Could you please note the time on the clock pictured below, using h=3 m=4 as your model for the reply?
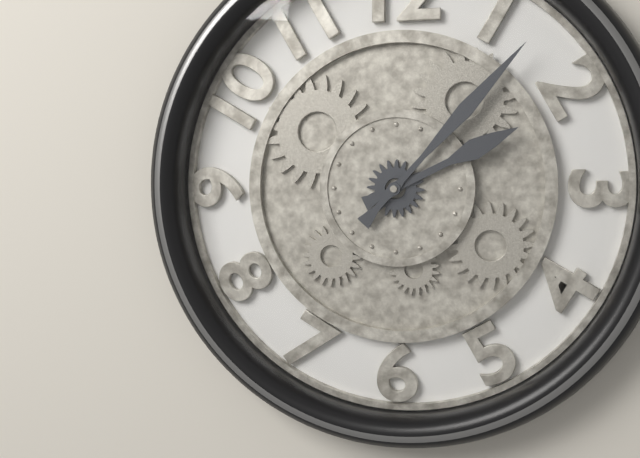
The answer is h=2 m=7
